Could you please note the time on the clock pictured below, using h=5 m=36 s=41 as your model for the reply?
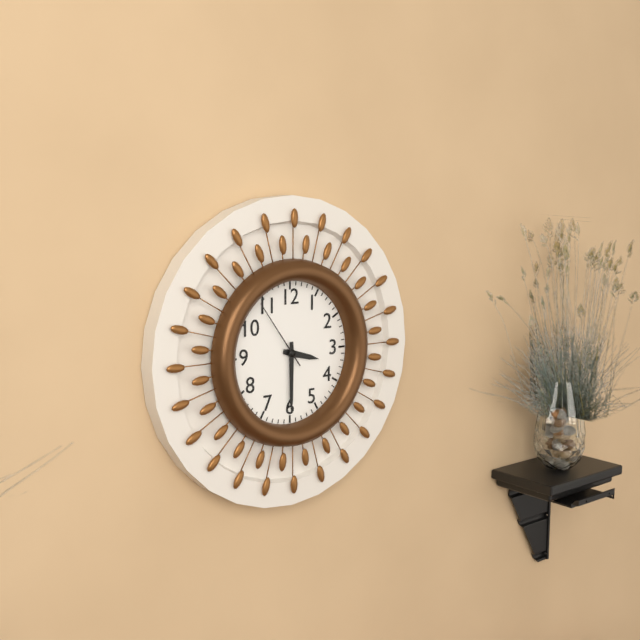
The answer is h=3 m=30 s=54
